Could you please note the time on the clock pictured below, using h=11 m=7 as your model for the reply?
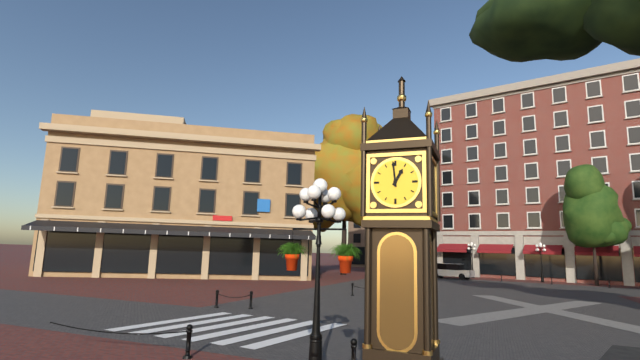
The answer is h=12 m=59
